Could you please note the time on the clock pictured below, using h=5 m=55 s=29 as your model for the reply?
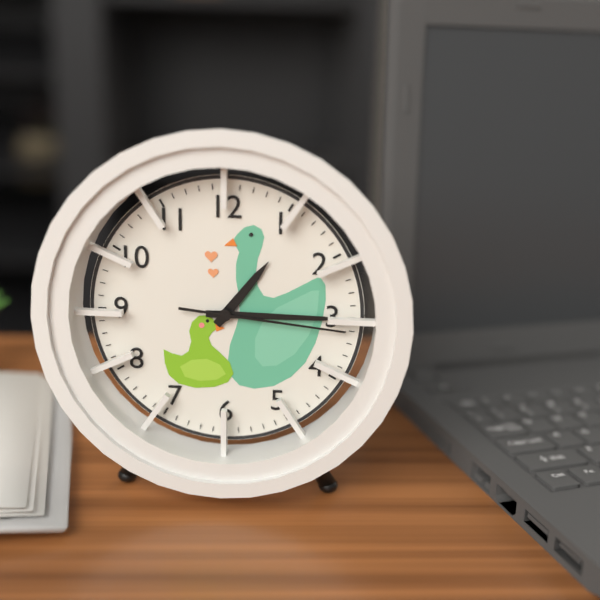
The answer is h=1 m=15 s=16
